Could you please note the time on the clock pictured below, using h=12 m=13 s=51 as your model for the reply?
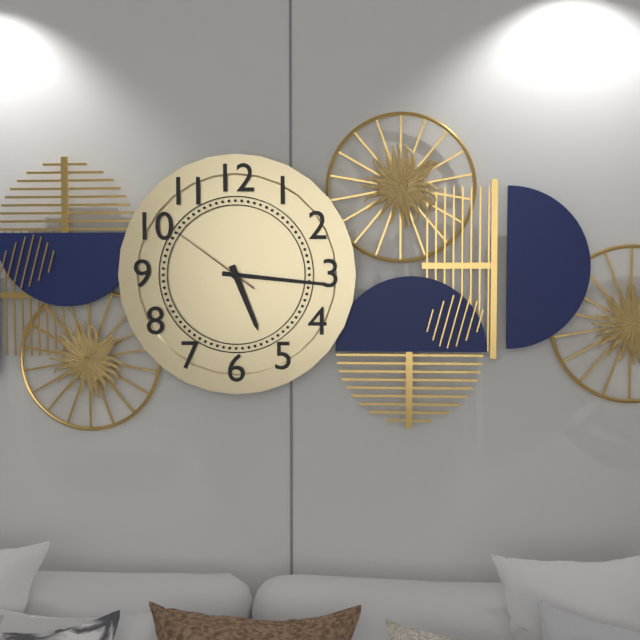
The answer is h=5 m=16 s=51
